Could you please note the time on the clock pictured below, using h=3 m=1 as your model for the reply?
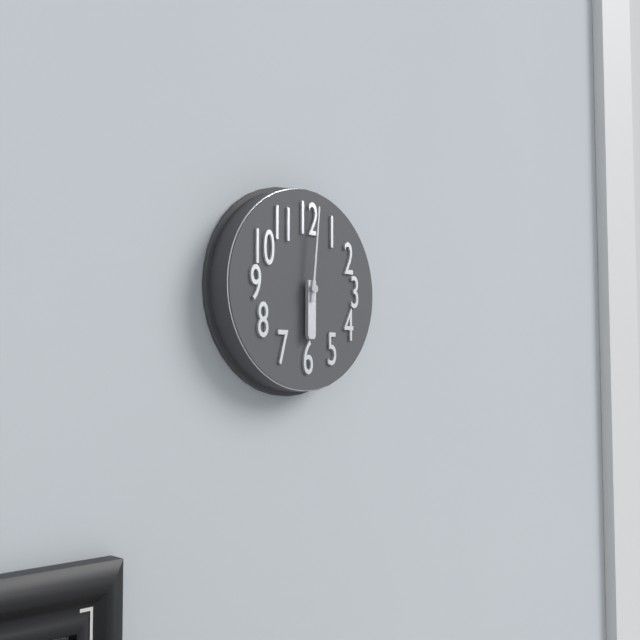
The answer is h=6 m=1
